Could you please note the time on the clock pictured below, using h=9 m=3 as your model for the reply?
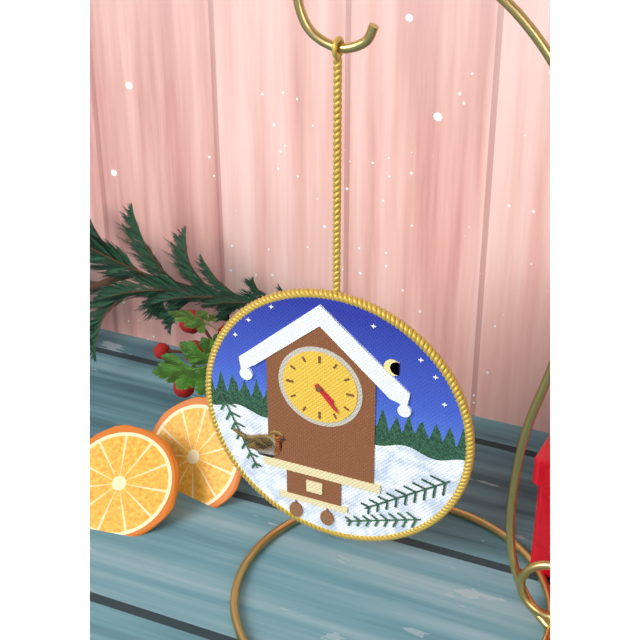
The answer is h=4 m=23
